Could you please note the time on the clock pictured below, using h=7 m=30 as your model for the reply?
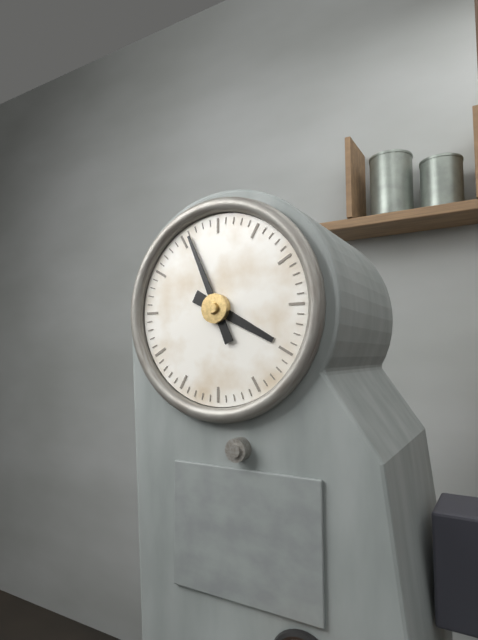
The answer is h=3 m=56
